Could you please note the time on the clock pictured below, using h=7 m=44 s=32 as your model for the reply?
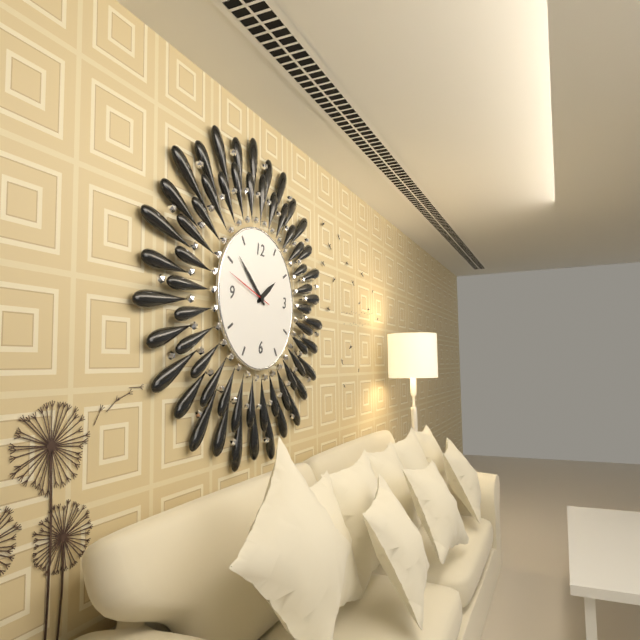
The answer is h=1 m=52 s=48
